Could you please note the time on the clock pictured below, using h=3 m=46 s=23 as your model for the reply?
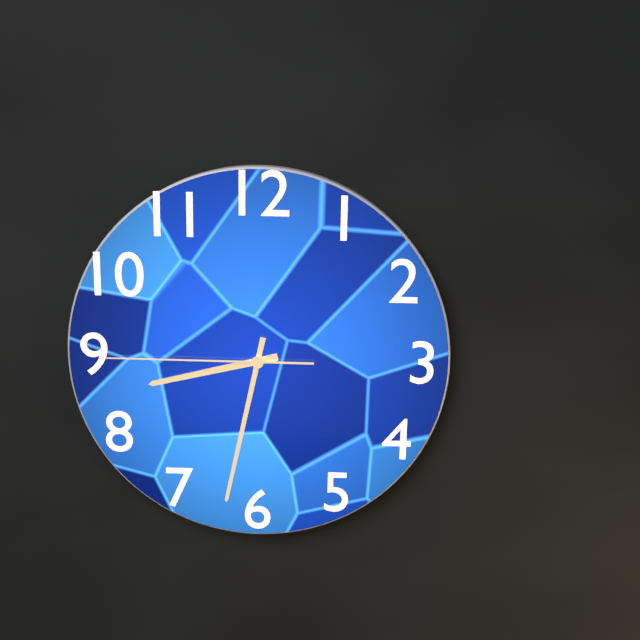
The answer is h=8 m=32 s=45
